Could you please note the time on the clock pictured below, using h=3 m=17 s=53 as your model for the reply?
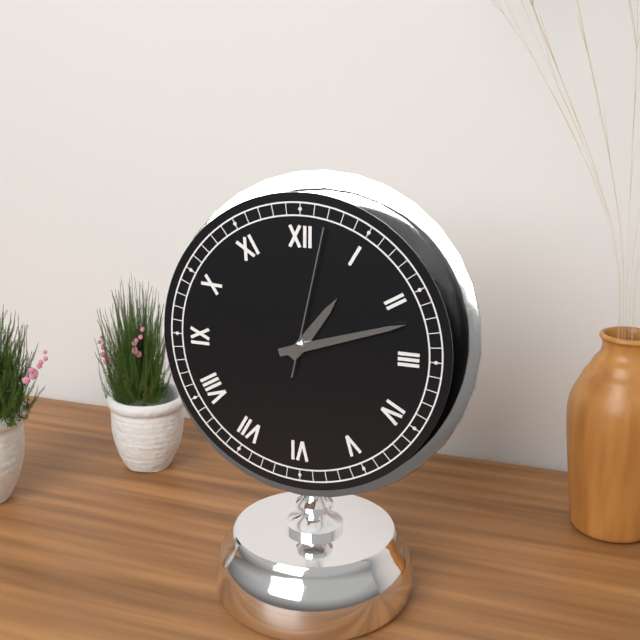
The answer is h=1 m=12 s=2
